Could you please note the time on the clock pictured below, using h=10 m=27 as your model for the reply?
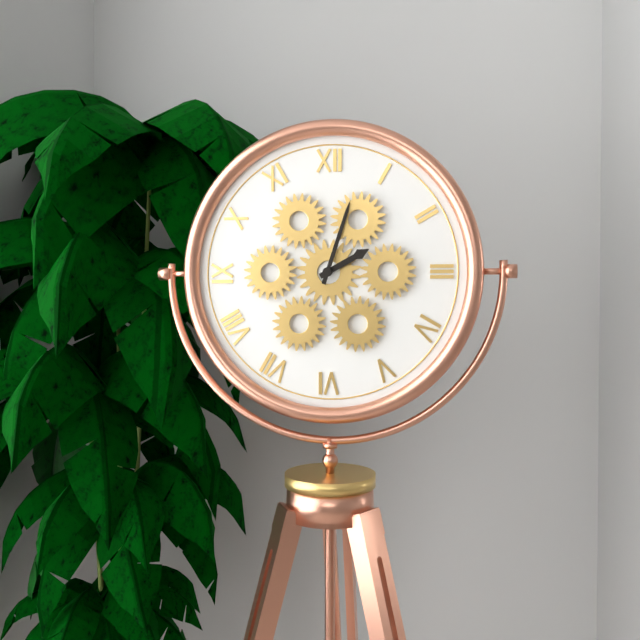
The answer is h=2 m=3
